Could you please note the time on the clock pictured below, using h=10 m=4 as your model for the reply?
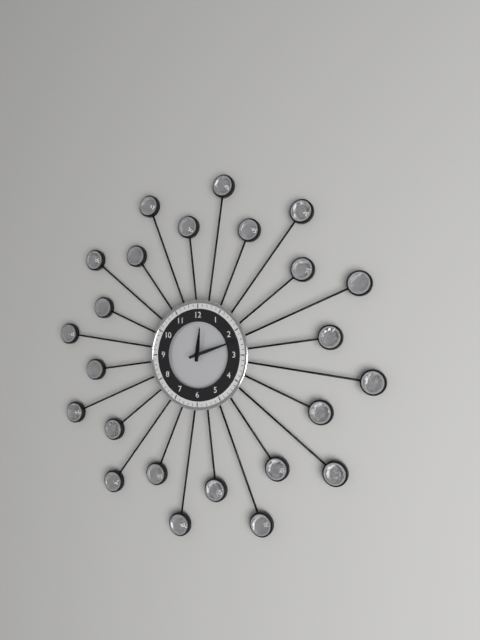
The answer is h=12 m=12
